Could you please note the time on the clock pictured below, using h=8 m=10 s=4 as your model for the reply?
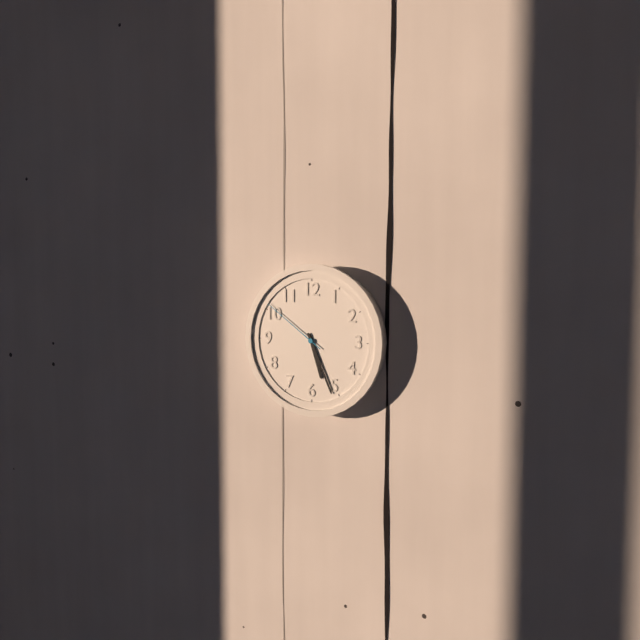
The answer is h=5 m=26 s=51
